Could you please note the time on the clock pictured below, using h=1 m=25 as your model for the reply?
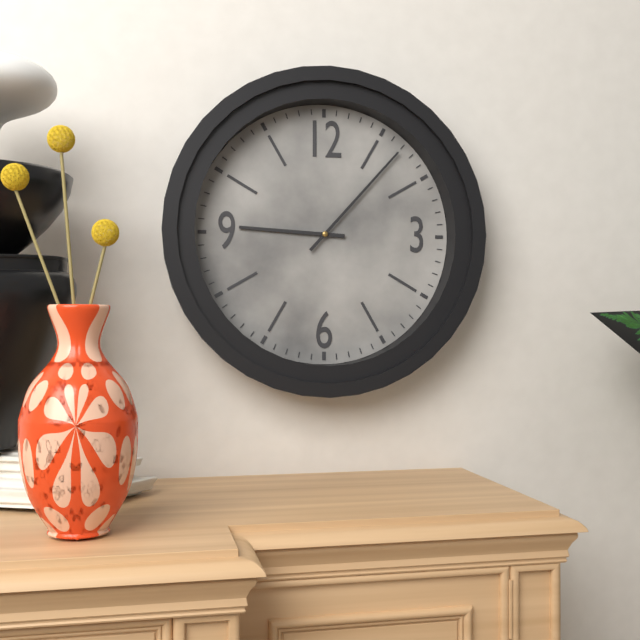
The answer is h=9 m=7
